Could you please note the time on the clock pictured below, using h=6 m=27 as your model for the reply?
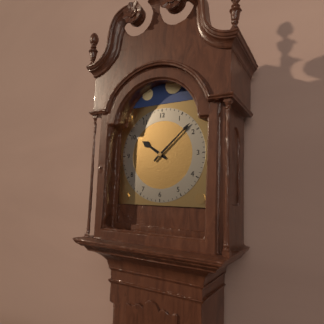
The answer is h=10 m=8
